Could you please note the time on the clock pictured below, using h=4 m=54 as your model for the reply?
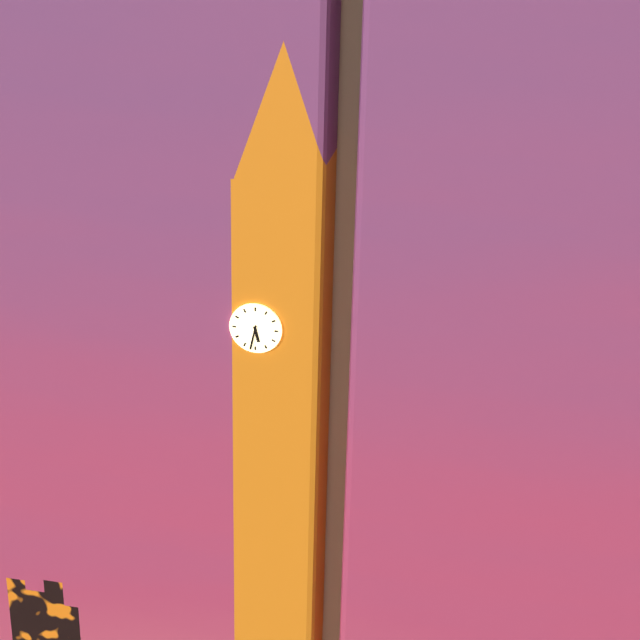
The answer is h=5 m=32
